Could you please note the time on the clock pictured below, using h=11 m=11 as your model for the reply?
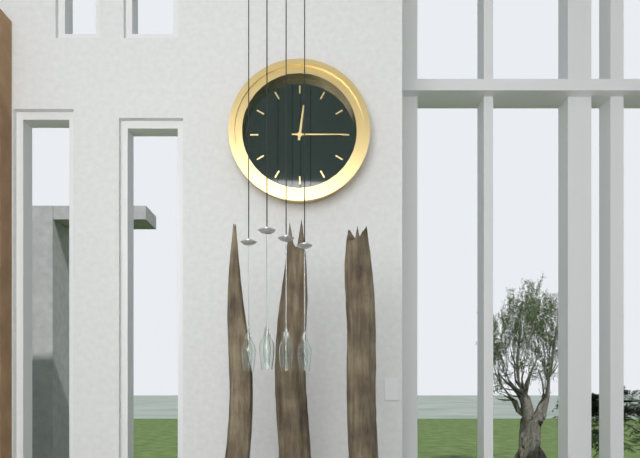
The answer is h=12 m=15
